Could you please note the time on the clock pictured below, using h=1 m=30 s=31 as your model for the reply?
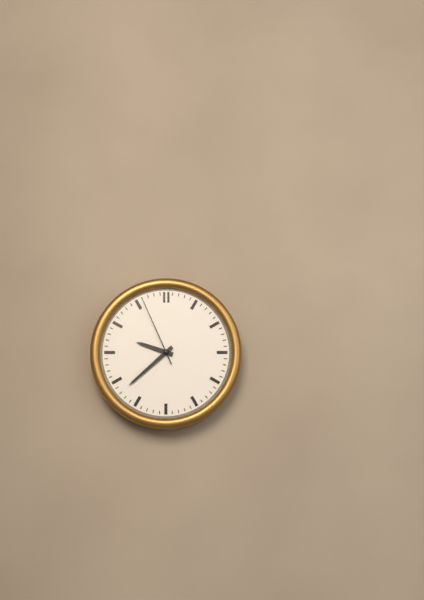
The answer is h=9 m=38 s=56
